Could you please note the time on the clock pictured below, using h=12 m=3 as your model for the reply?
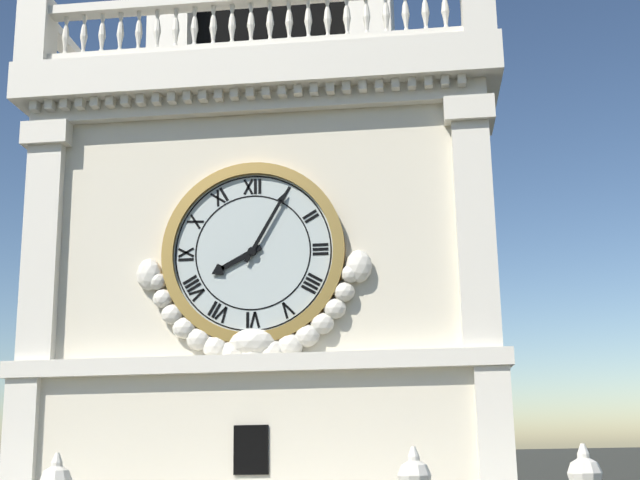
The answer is h=8 m=5
